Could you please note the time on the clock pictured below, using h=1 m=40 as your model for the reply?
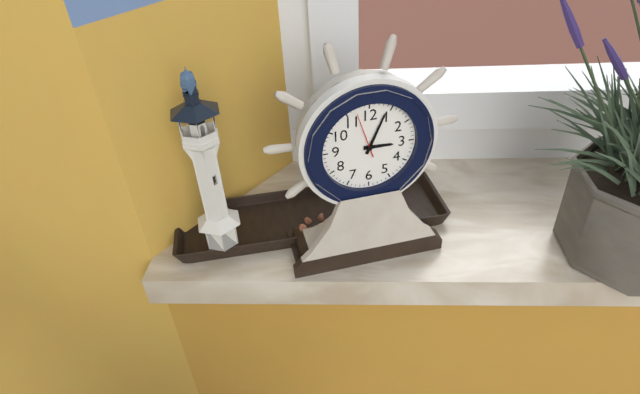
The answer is h=3 m=4
